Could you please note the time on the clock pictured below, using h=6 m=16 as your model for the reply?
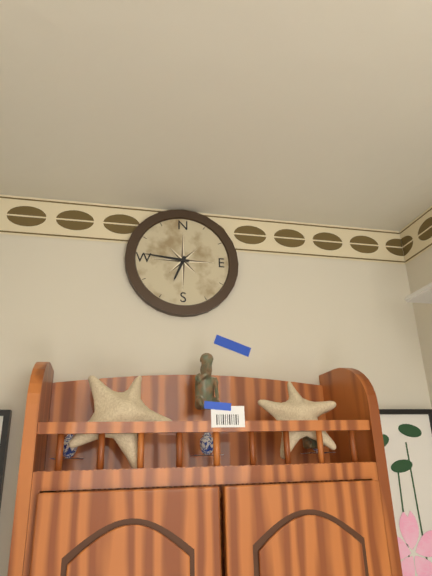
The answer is h=6 m=46
